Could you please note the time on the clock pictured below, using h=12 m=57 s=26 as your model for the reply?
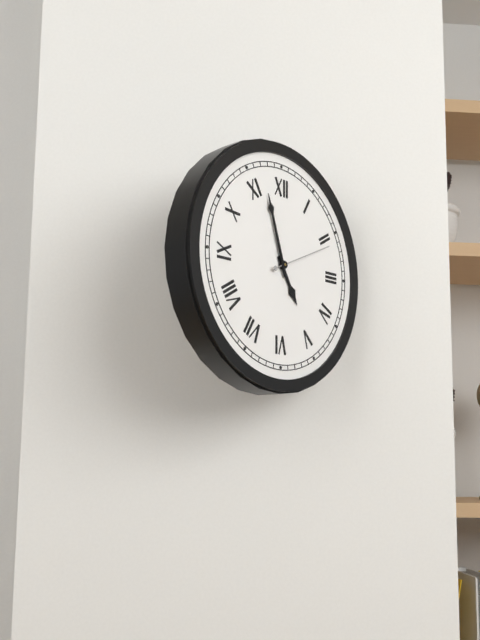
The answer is h=4 m=57 s=11
